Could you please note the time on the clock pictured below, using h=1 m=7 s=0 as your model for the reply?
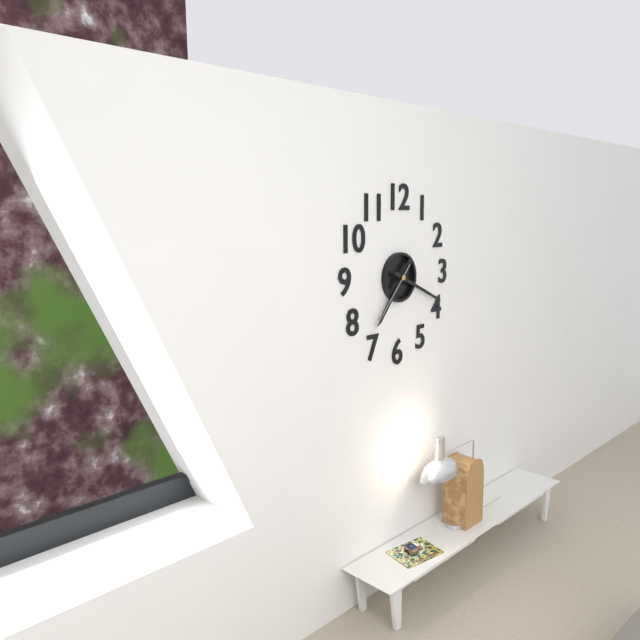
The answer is h=7 m=19 s=37
